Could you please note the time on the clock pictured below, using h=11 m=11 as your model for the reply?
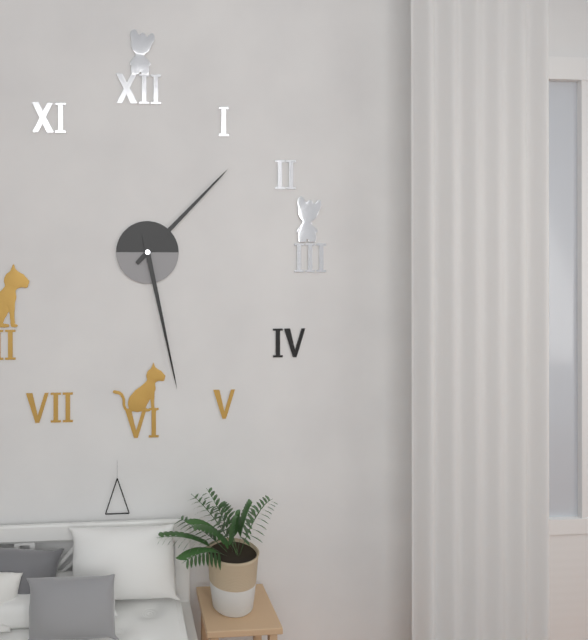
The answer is h=1 m=28
